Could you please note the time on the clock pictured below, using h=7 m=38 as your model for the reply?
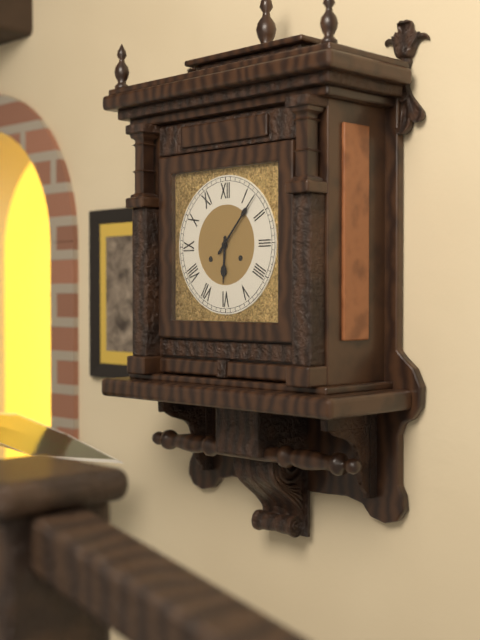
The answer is h=6 m=7
